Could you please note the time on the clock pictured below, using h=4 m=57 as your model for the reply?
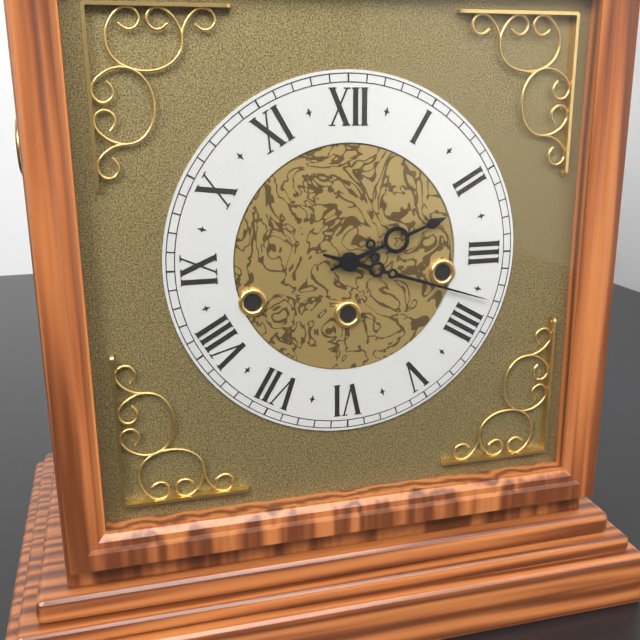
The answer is h=2 m=18
